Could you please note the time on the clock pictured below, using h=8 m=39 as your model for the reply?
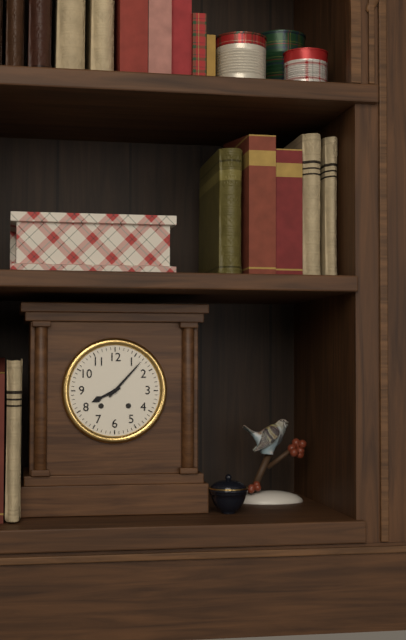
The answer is h=8 m=7
